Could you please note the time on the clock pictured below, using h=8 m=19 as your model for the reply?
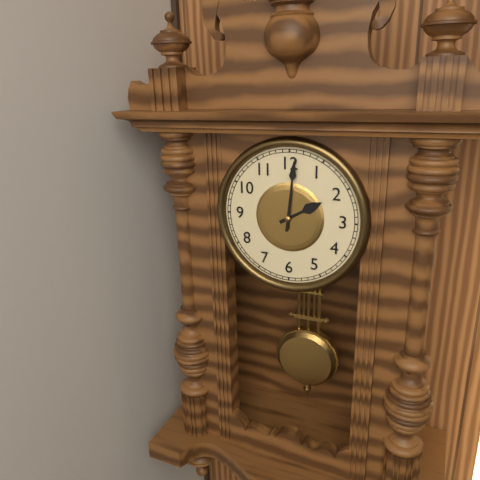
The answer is h=2 m=1
